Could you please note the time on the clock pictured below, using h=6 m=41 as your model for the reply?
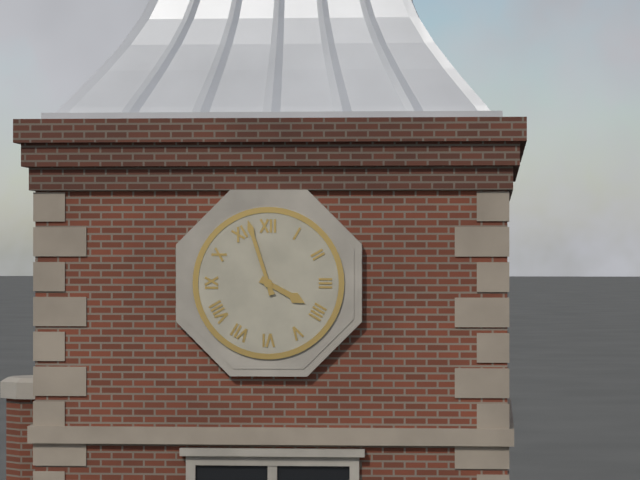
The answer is h=3 m=57
